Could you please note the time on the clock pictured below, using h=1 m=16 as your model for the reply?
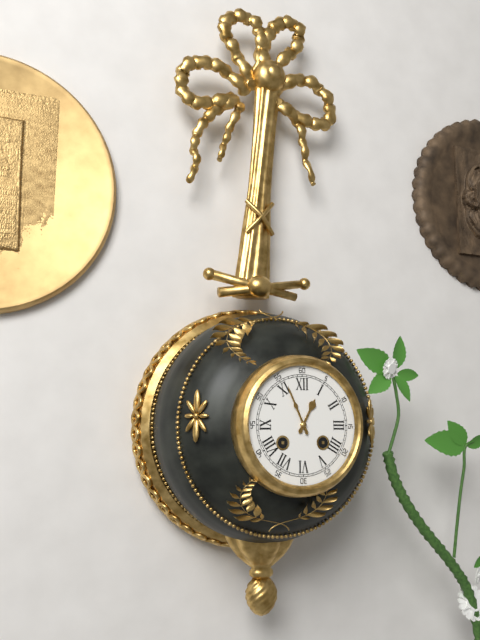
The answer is h=12 m=56
